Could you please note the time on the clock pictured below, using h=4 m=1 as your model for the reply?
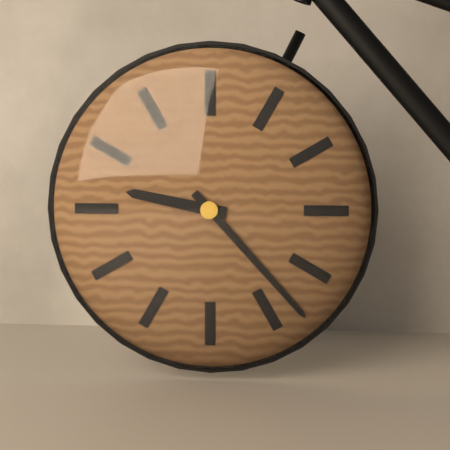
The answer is h=9 m=23
